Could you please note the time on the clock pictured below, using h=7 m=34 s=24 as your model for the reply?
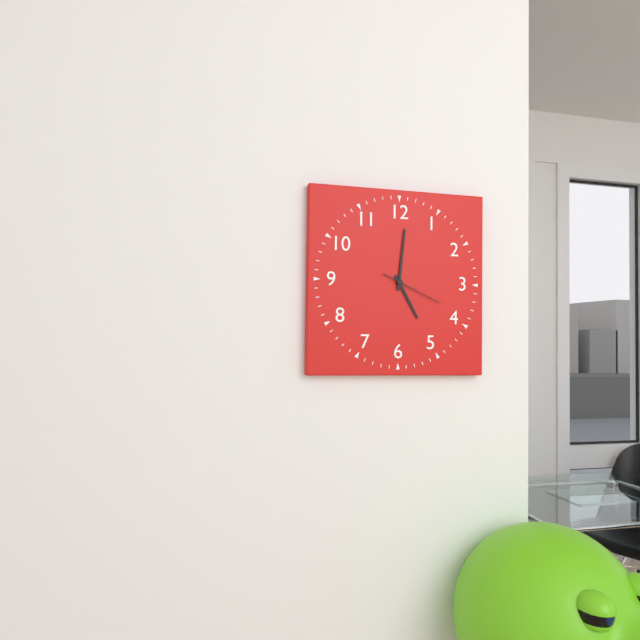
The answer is h=5 m=1 s=19
